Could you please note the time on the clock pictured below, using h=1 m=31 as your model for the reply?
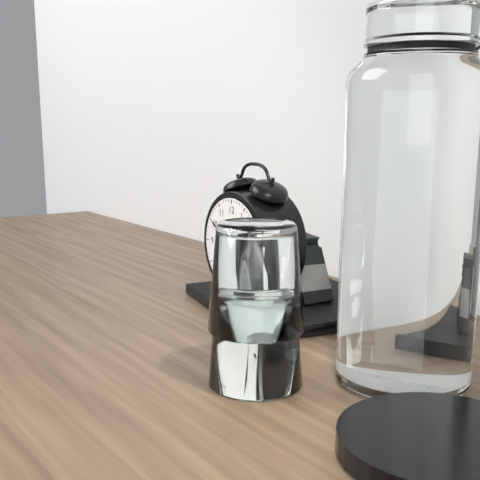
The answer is h=9 m=50
